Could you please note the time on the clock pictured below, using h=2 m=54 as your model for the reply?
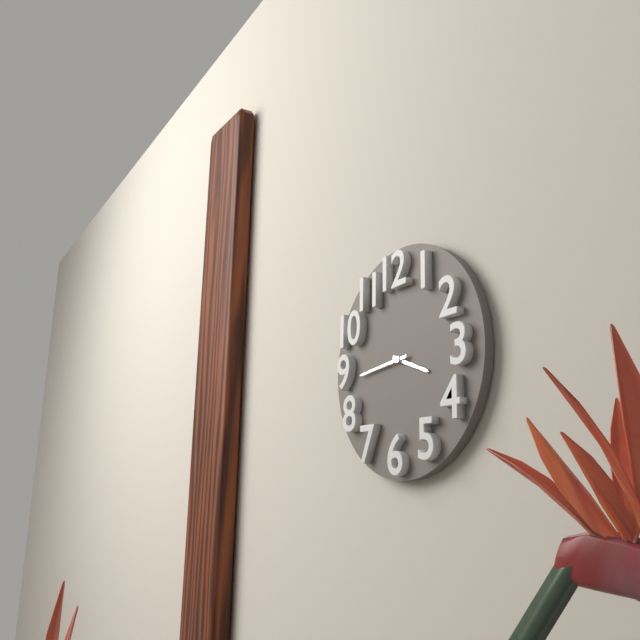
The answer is h=3 m=44
